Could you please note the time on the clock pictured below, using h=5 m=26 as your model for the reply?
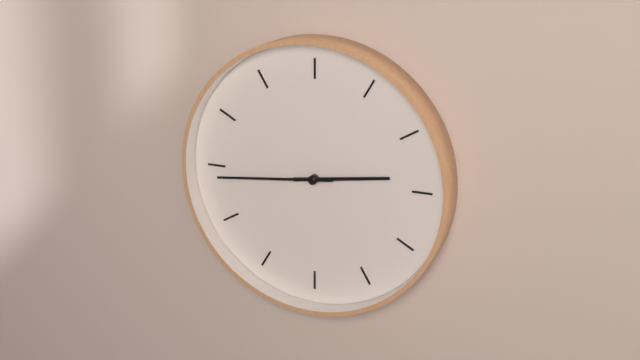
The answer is h=2 m=44
